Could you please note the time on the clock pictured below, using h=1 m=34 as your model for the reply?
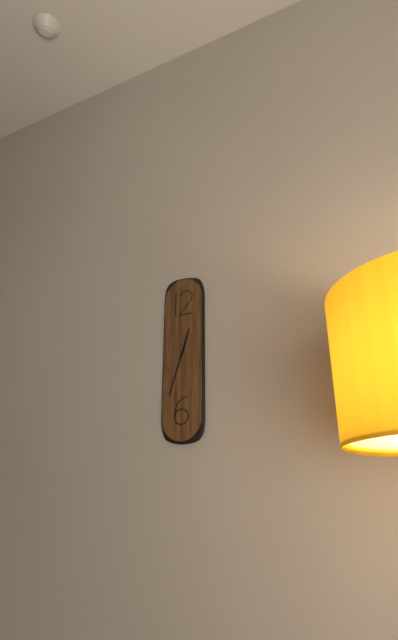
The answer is h=12 m=33
